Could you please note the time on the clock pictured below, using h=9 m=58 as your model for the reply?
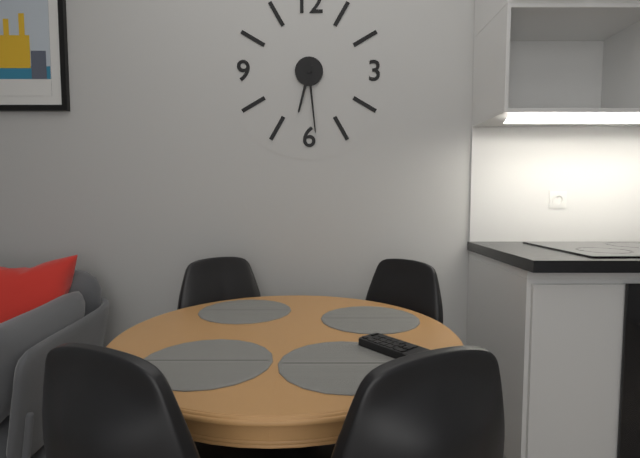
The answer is h=6 m=29
